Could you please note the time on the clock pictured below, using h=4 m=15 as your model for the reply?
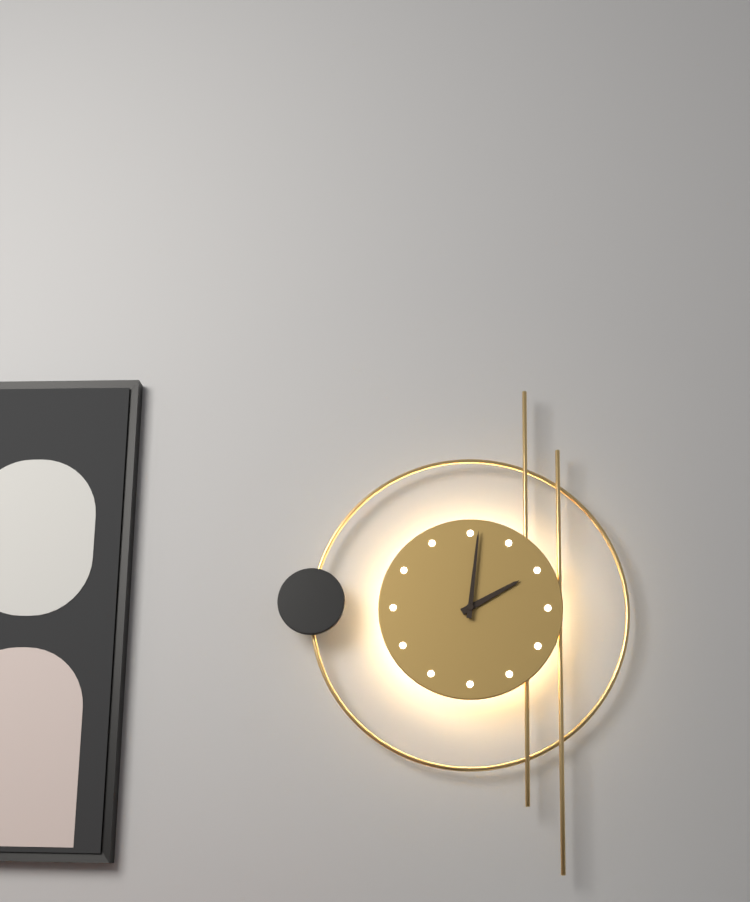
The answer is h=2 m=1
